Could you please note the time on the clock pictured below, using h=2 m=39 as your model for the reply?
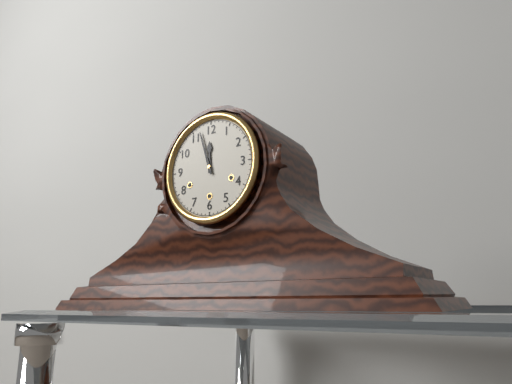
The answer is h=11 m=57
